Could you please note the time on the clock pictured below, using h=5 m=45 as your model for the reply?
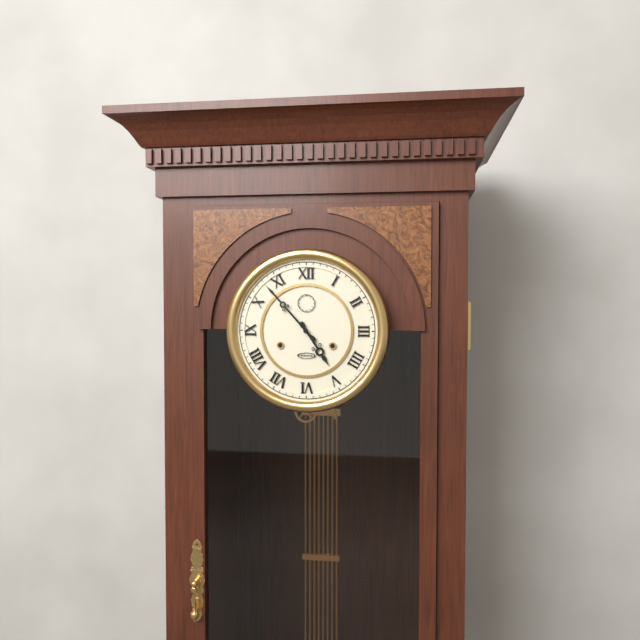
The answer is h=4 m=53
